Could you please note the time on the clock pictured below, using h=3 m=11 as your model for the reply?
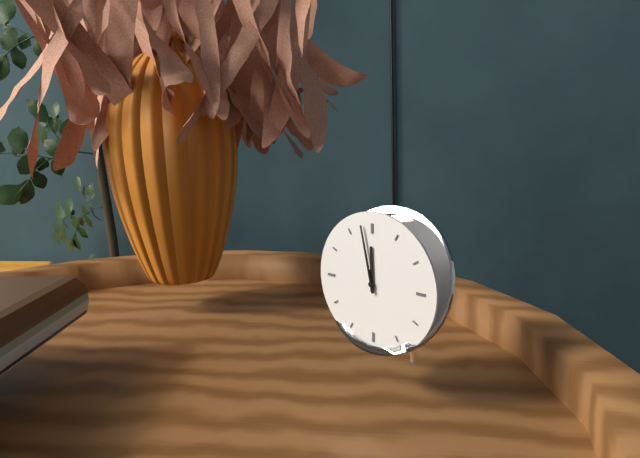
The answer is h=11 m=58
